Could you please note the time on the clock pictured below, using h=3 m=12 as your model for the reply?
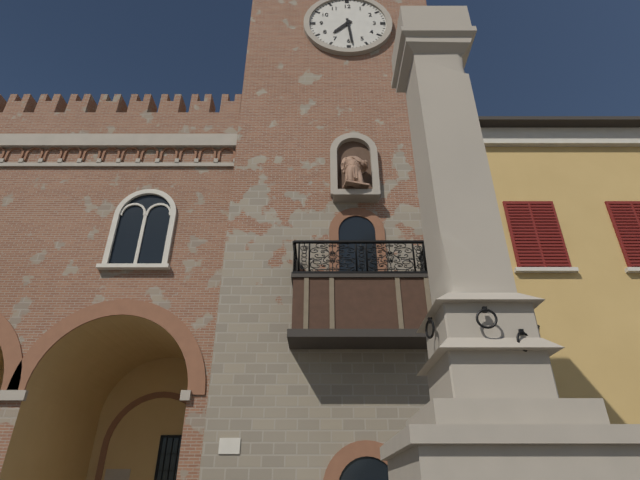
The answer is h=7 m=29
